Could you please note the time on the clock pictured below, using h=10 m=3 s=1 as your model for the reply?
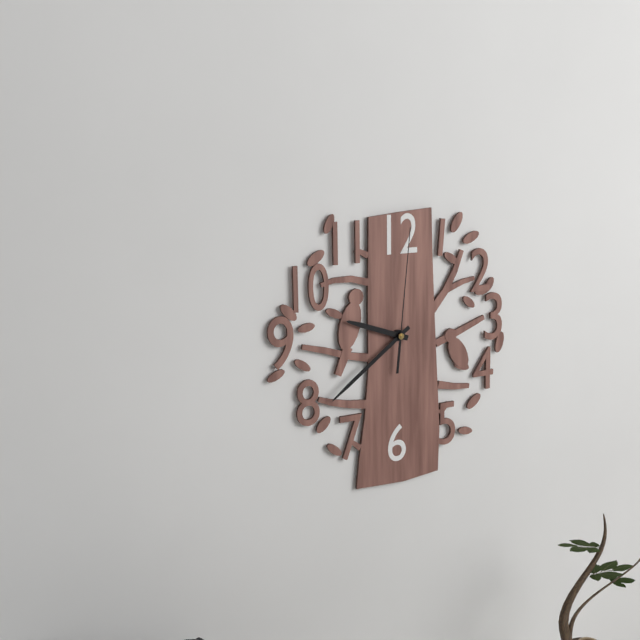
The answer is h=9 m=39 s=1
